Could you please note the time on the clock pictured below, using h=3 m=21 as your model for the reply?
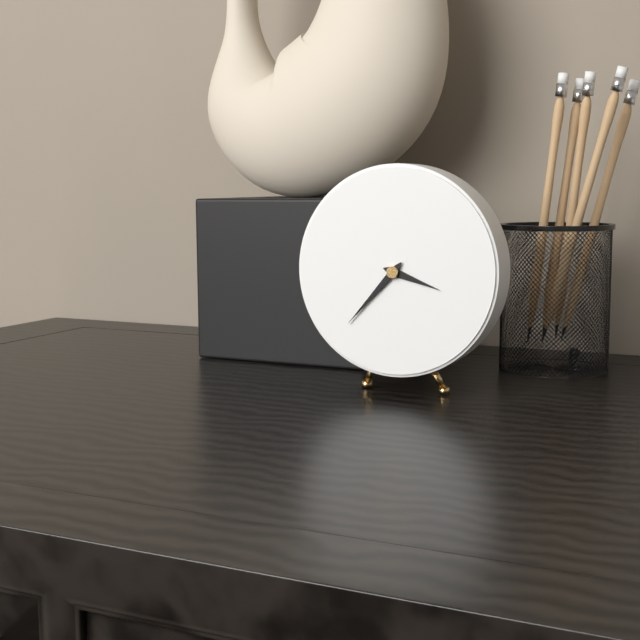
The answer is h=3 m=37
